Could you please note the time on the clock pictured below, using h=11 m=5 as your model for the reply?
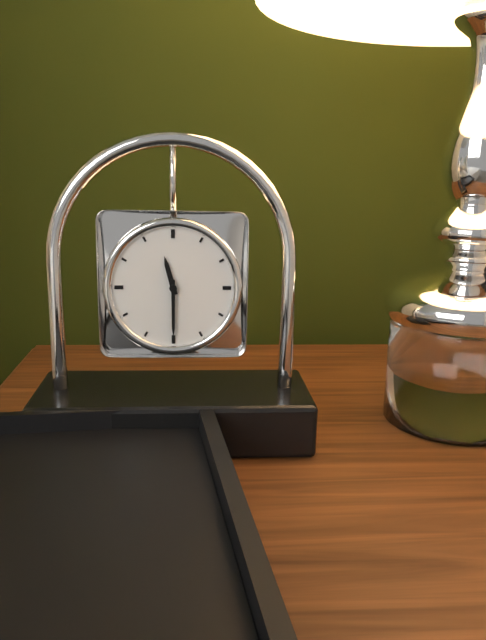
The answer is h=11 m=30
